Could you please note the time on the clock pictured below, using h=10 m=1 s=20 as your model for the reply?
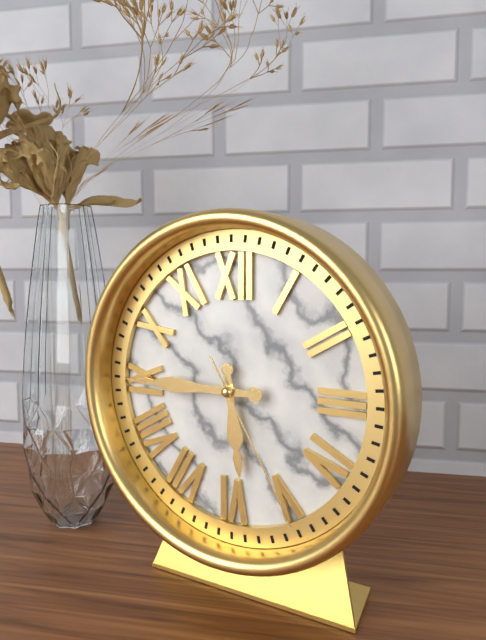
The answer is h=5 m=45 s=25
